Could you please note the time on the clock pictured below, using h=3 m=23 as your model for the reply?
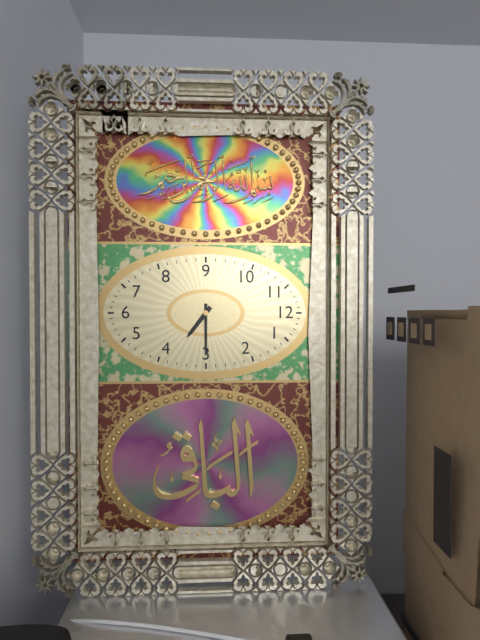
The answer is h=4 m=15
